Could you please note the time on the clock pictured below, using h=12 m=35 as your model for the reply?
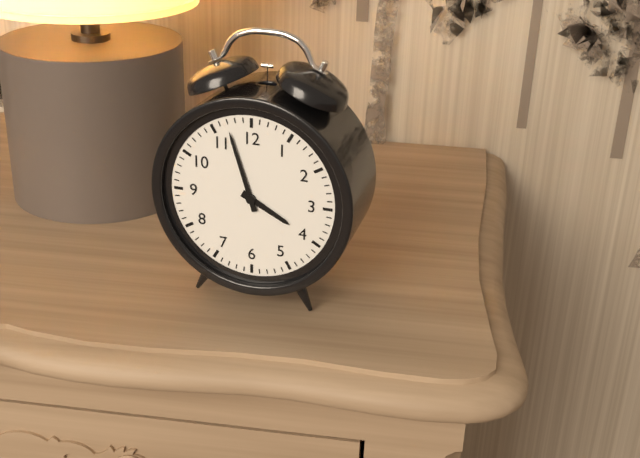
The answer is h=3 m=57
